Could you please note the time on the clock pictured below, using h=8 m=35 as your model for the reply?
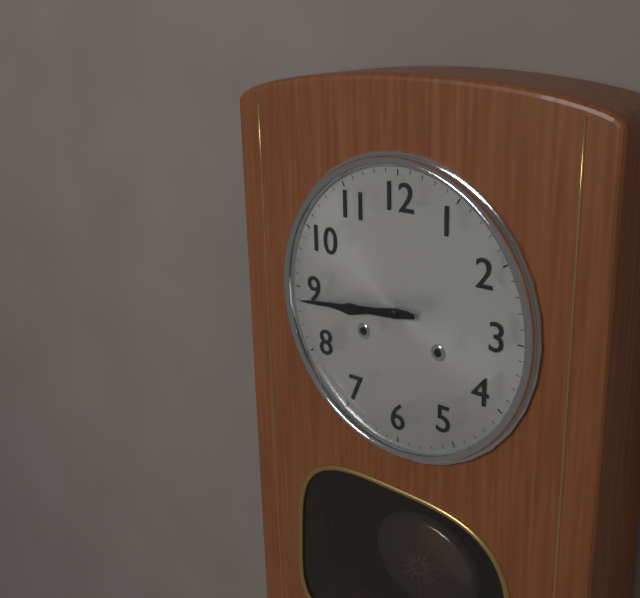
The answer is h=8 m=44
